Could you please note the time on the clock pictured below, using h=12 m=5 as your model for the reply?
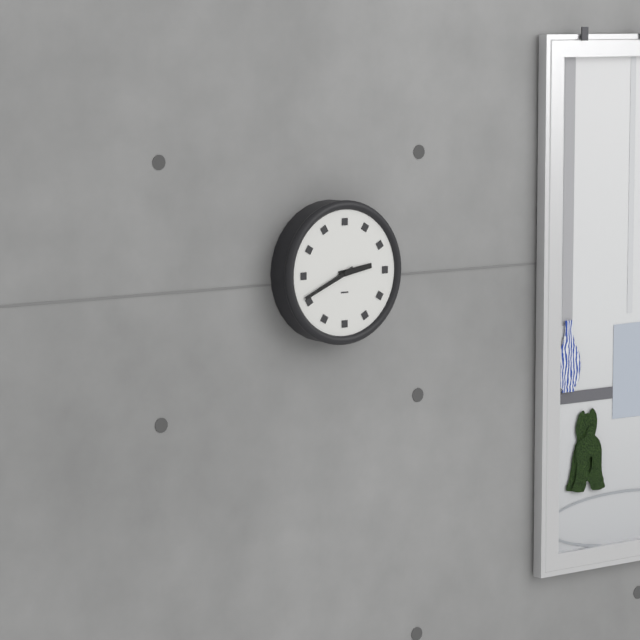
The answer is h=2 m=41
